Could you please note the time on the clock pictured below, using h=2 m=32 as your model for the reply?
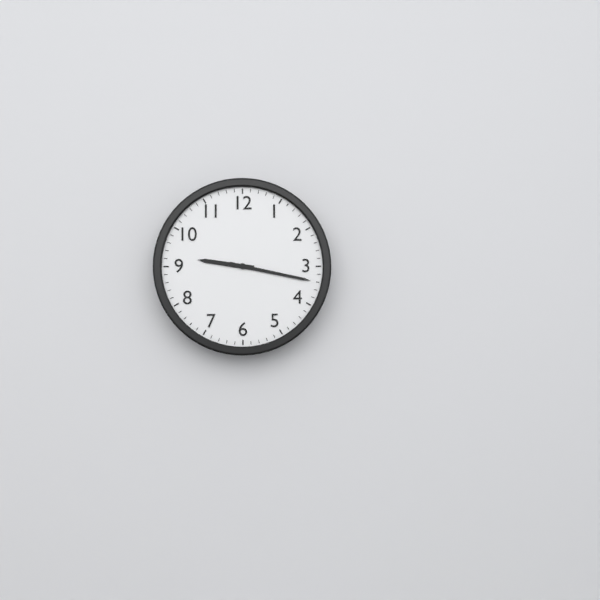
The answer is h=9 m=17
